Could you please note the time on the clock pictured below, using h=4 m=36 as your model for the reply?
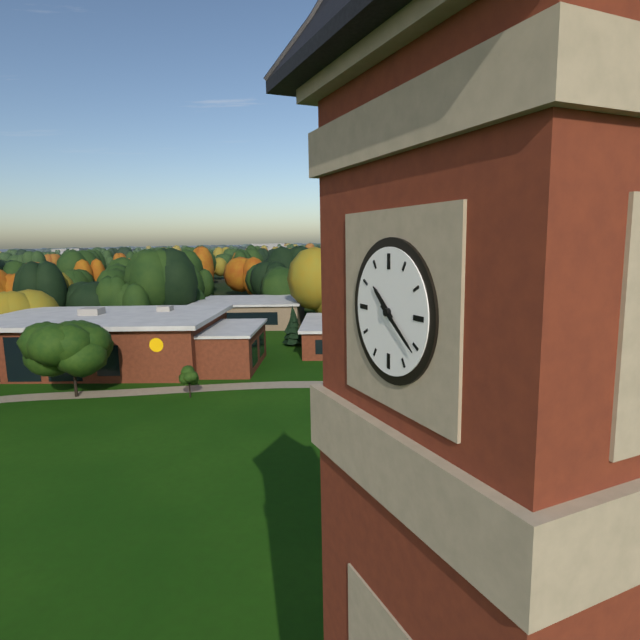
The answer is h=10 m=21
